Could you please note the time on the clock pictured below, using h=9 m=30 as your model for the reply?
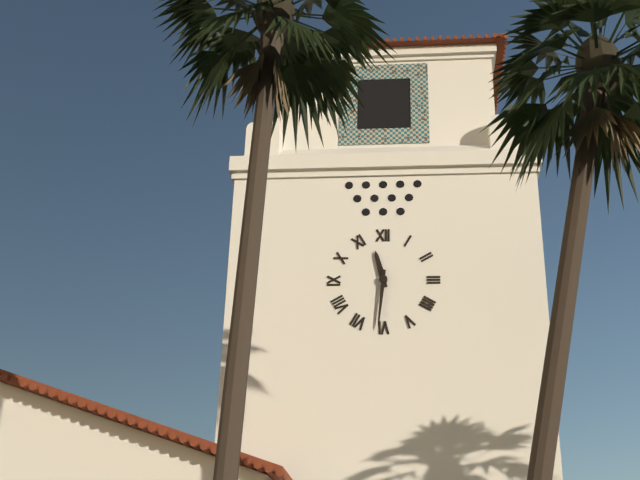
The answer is h=11 m=31
